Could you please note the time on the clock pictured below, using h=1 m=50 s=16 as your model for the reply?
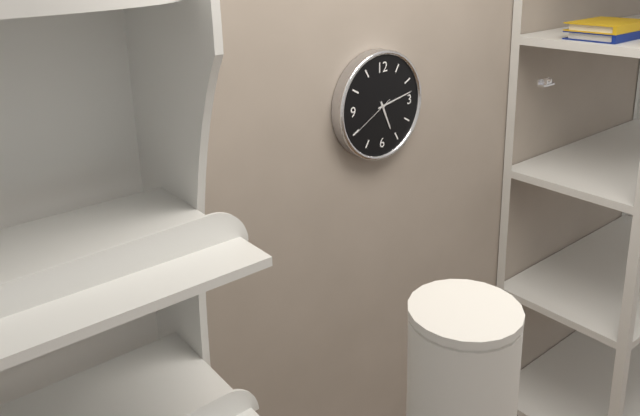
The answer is h=5 m=13 s=40
